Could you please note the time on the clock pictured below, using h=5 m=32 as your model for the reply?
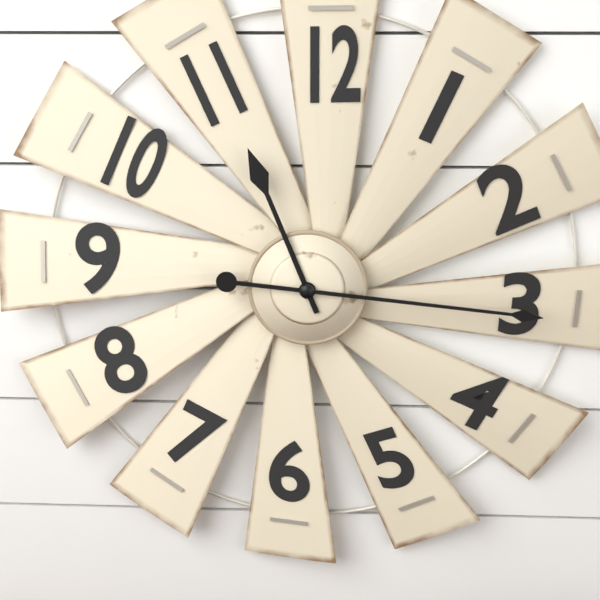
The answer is h=11 m=16
